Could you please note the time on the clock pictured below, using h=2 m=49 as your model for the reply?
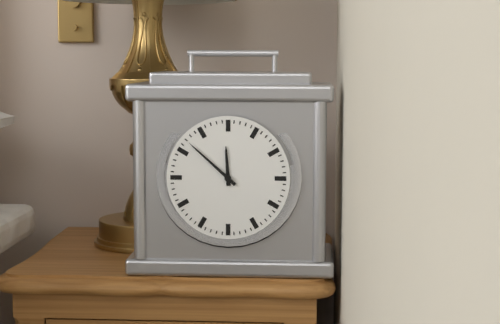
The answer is h=11 m=52
